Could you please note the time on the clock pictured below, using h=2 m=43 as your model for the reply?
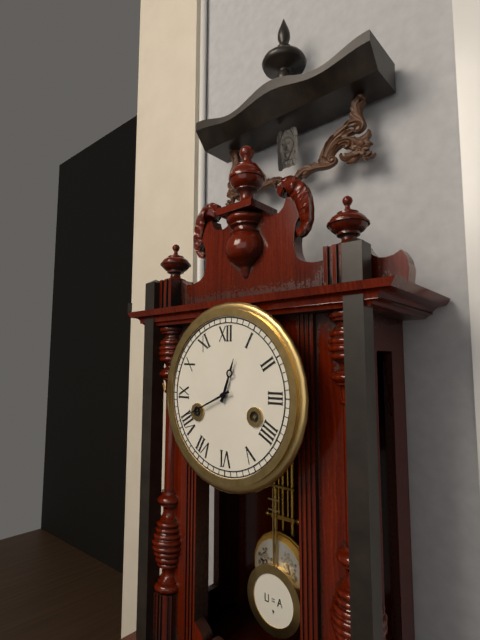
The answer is h=12 m=41
